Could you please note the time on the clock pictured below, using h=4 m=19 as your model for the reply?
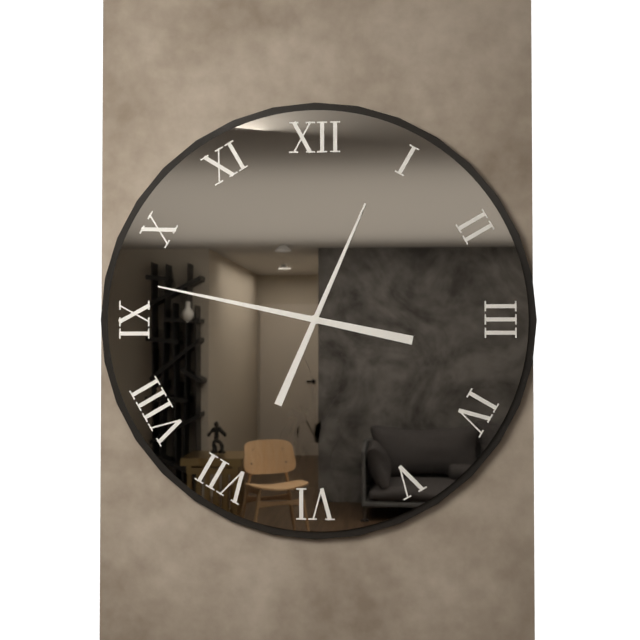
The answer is h=12 m=47
